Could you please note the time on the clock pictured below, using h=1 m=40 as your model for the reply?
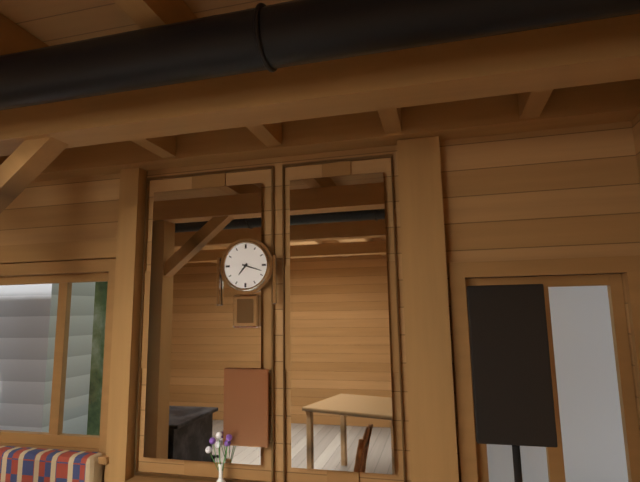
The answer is h=7 m=18
